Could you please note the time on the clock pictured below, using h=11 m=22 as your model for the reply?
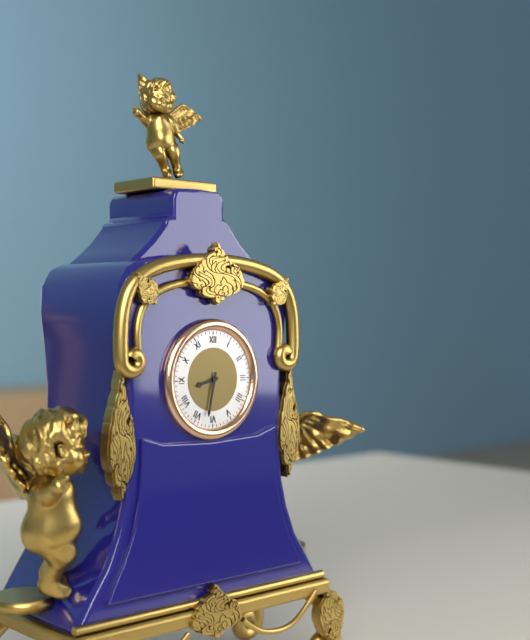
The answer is h=8 m=32
